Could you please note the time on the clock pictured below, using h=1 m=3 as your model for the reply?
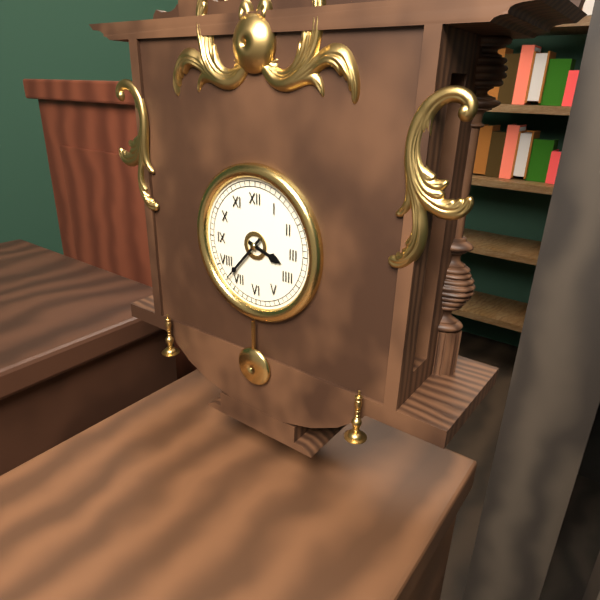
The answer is h=3 m=37
